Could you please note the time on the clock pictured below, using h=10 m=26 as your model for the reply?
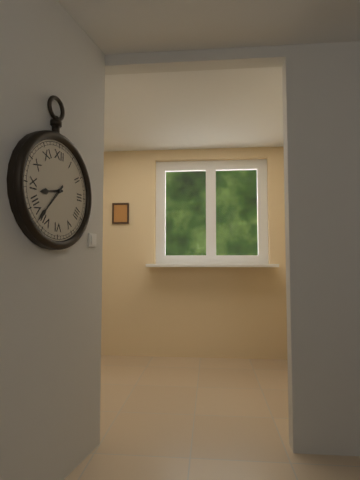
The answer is h=8 m=37
